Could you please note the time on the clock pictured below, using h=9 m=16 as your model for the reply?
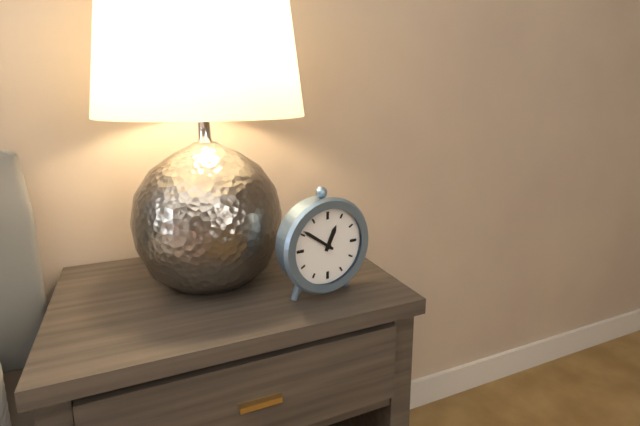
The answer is h=12 m=51
